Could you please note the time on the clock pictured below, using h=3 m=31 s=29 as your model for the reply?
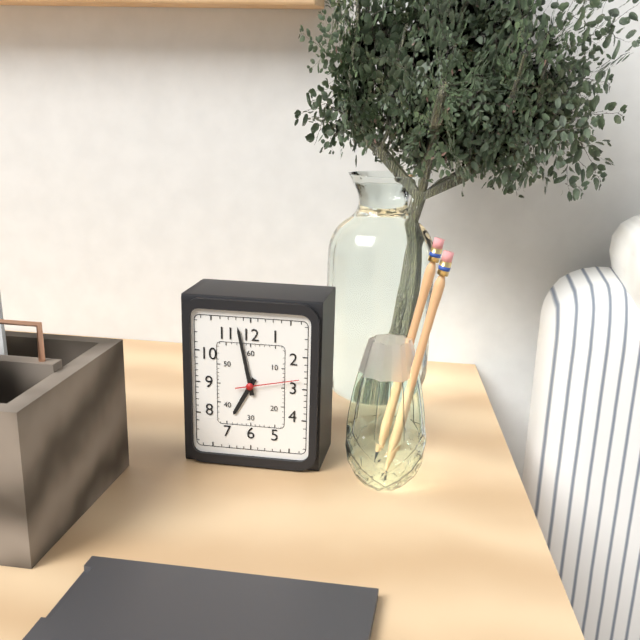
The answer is h=6 m=58 s=13
